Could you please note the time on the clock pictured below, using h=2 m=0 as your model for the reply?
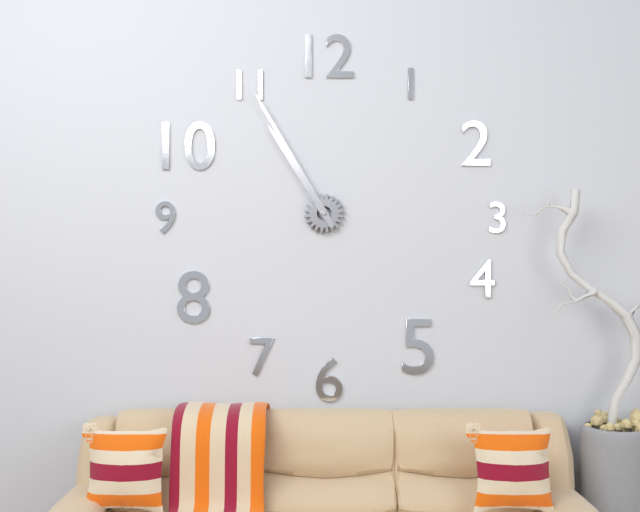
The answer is h=10 m=55
